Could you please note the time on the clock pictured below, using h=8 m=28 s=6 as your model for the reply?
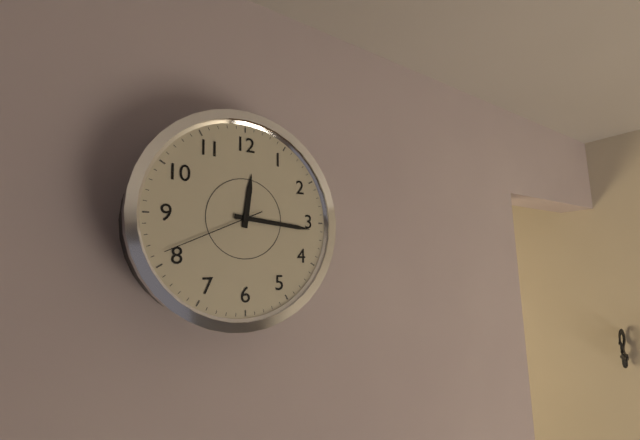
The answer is h=12 m=16 s=41
